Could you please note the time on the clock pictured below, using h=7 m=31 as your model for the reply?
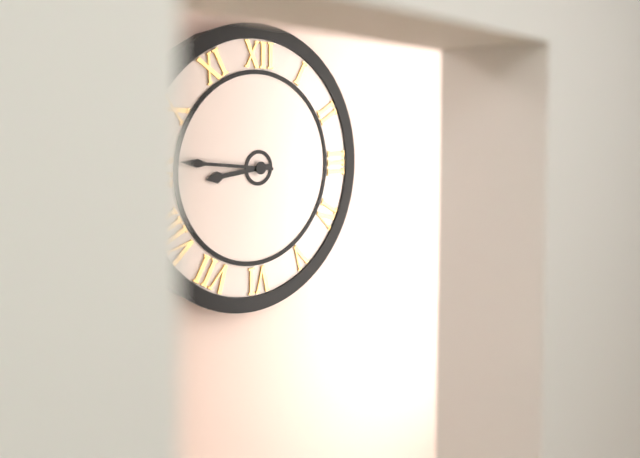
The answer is h=8 m=46
